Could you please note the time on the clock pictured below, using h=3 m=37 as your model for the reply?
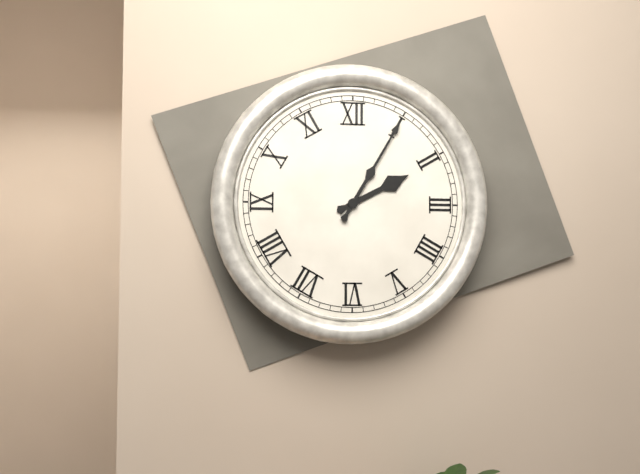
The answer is h=2 m=5
